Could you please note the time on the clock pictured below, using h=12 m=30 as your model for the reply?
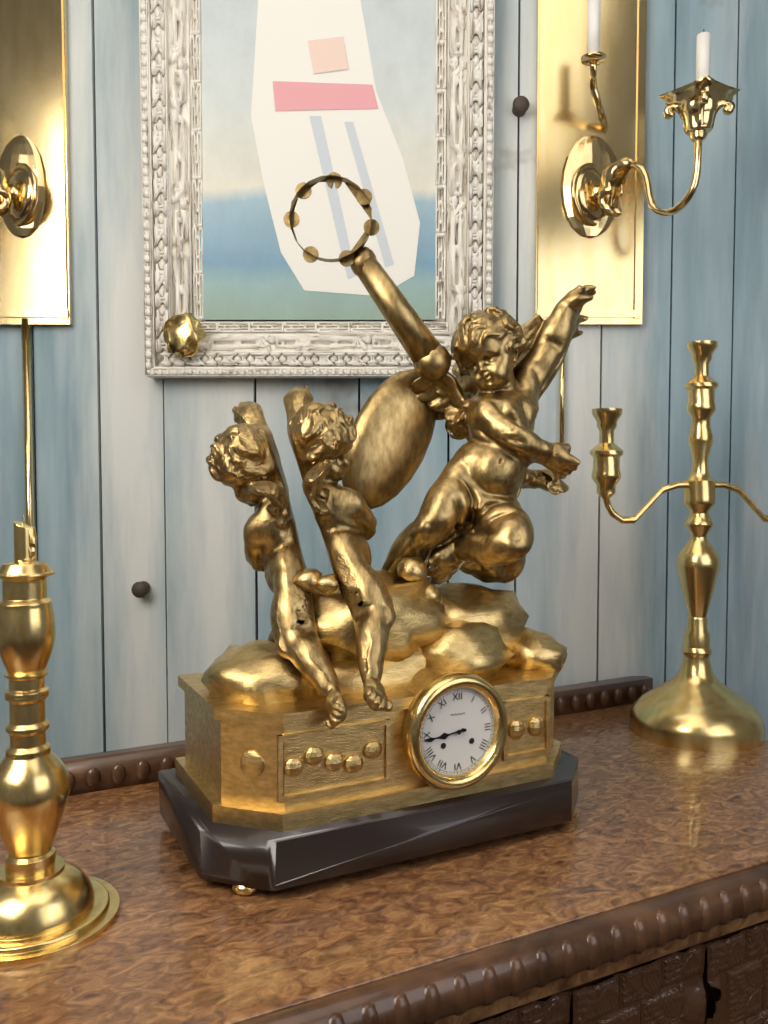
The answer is h=8 m=44
